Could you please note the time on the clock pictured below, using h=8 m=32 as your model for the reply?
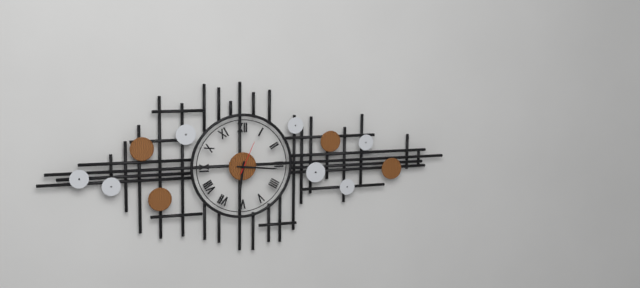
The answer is h=6 m=16
